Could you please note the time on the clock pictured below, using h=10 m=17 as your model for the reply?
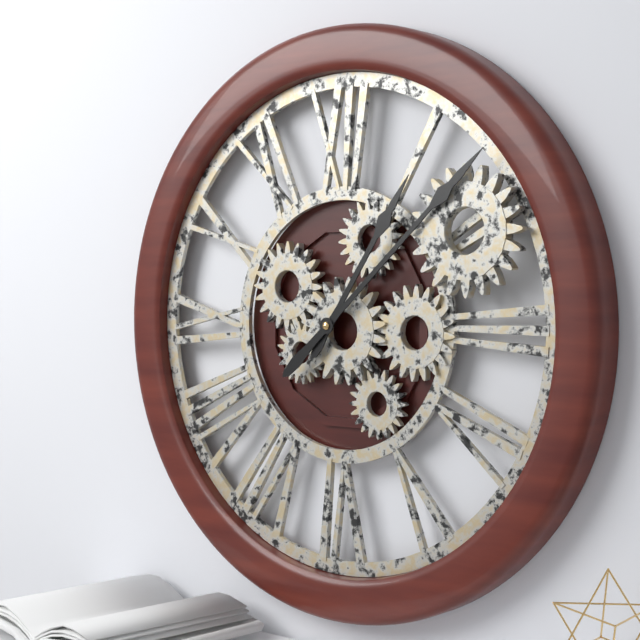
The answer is h=1 m=8
